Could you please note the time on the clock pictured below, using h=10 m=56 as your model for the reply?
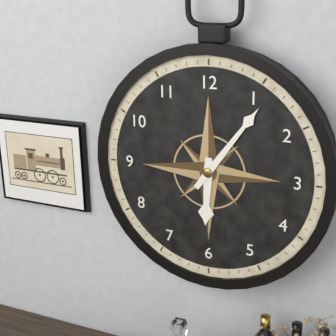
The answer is h=6 m=6
